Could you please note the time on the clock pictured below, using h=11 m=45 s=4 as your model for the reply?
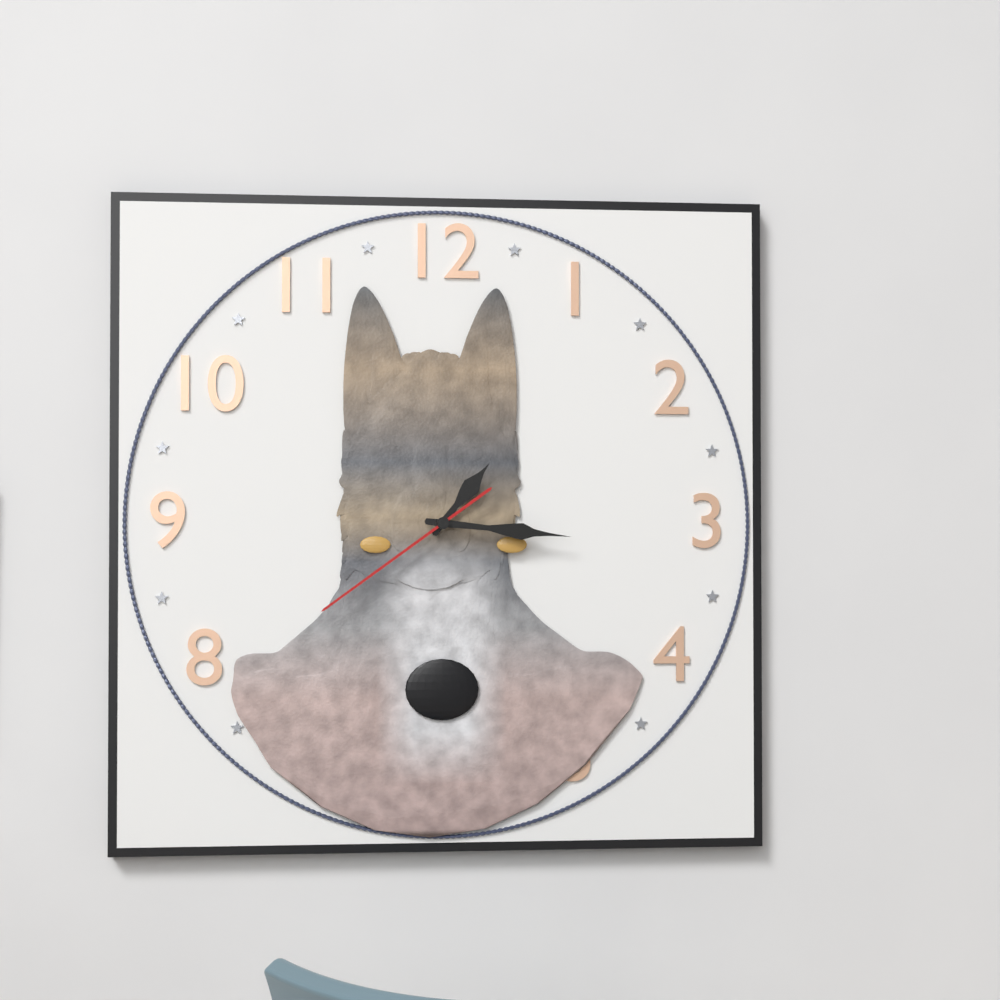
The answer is h=1 m=16 s=39
